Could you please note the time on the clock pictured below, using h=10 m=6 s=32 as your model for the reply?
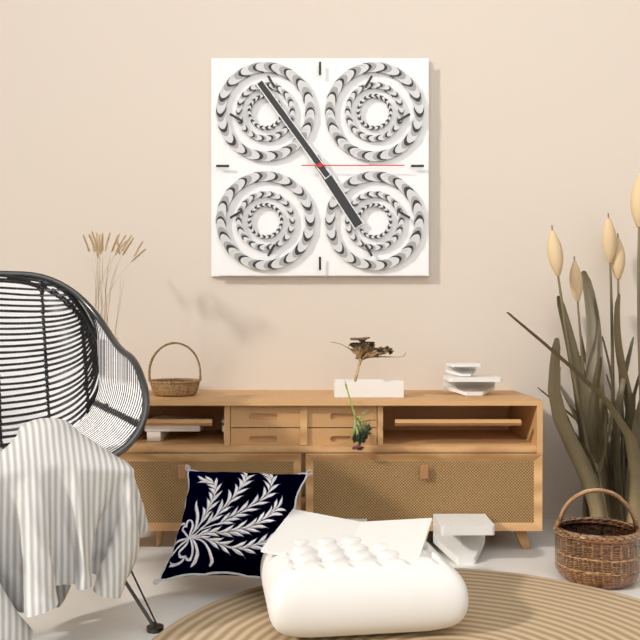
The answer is h=4 m=54 s=15
